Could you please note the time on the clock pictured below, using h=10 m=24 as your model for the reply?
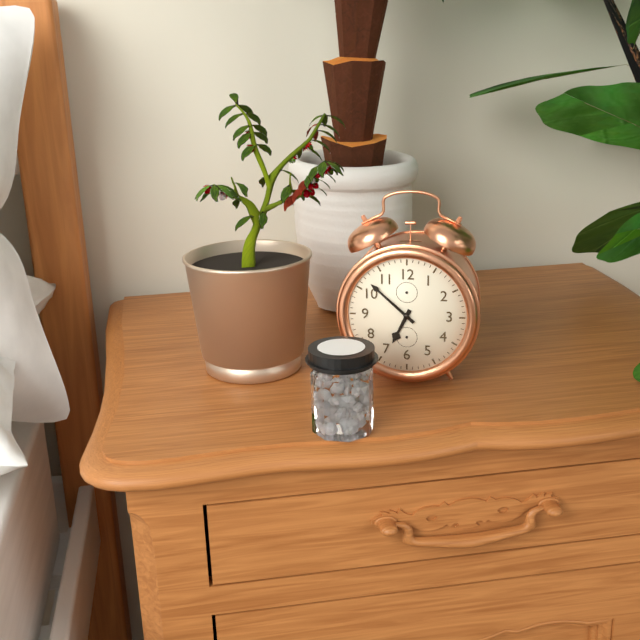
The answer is h=6 m=52
